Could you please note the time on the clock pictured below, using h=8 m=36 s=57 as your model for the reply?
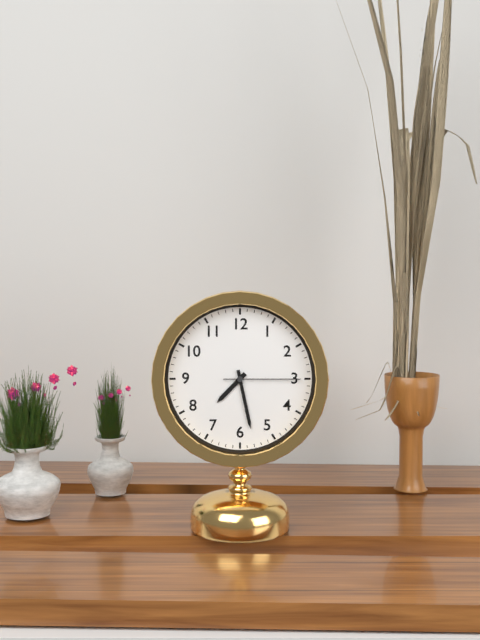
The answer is h=7 m=28 s=15
